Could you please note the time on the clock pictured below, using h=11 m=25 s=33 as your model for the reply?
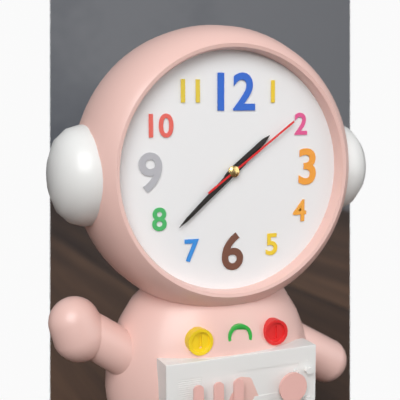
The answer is h=1 m=38 s=9
